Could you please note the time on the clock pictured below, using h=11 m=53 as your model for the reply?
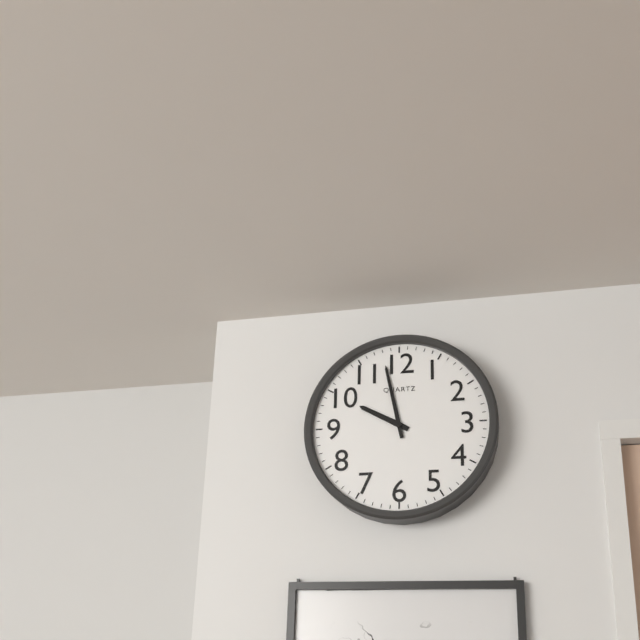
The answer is h=9 m=58
